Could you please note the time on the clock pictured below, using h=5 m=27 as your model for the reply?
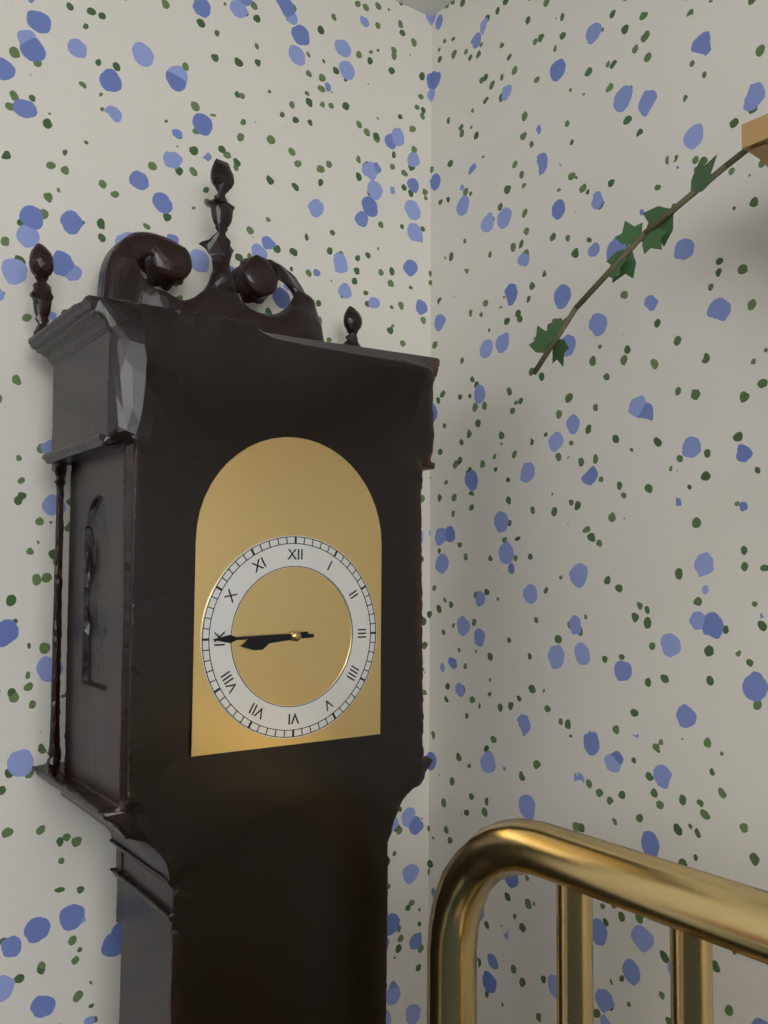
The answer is h=8 m=45
